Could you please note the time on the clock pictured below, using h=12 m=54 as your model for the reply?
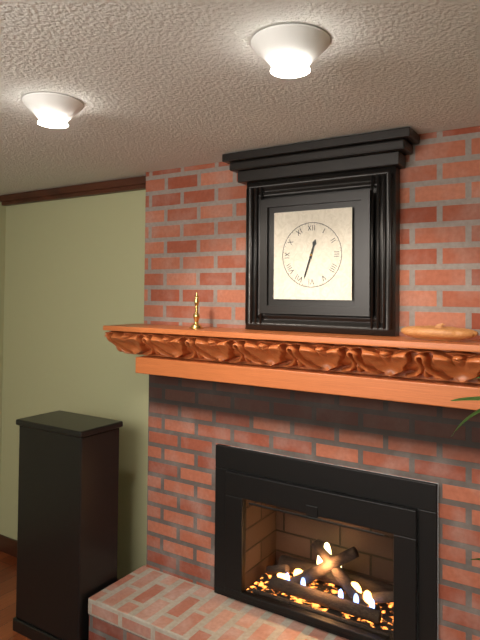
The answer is h=12 m=33
